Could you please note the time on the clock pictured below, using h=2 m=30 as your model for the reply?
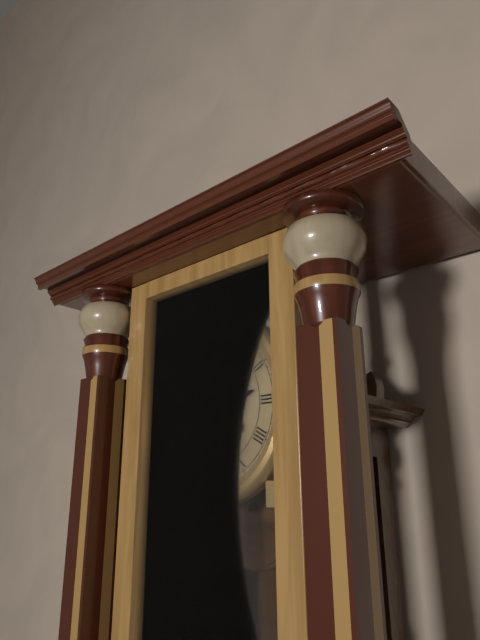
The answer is h=2 m=38
